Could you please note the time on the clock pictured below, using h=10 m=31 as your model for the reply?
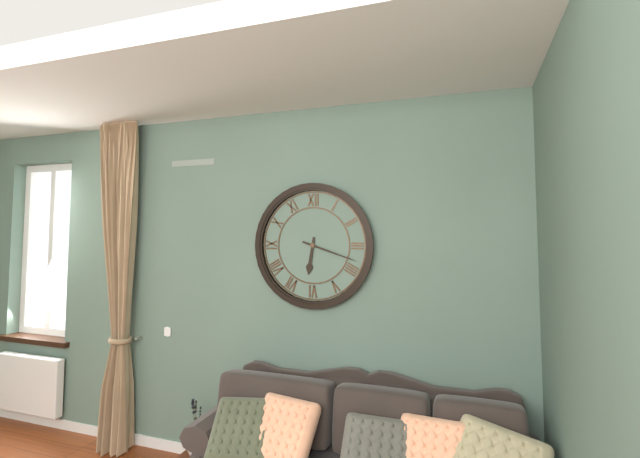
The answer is h=6 m=18
